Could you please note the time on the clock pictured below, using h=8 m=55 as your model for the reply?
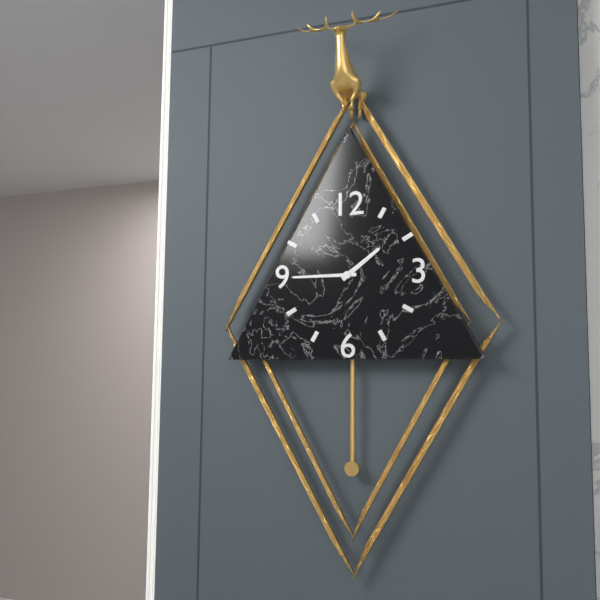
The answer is h=1 m=45
